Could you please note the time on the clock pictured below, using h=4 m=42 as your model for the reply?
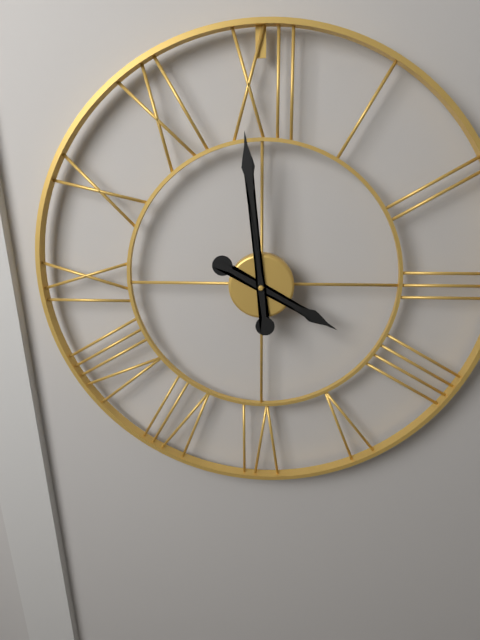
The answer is h=3 m=59
